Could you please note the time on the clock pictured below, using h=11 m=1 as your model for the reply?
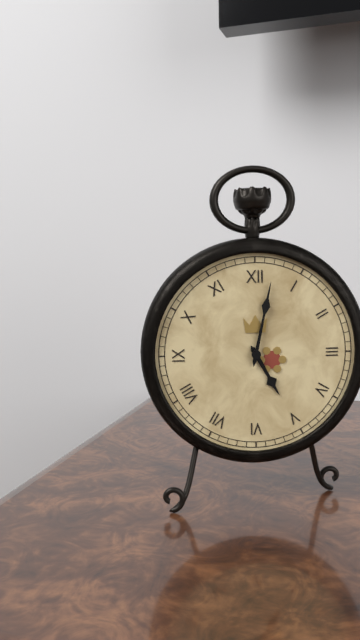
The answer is h=5 m=2
